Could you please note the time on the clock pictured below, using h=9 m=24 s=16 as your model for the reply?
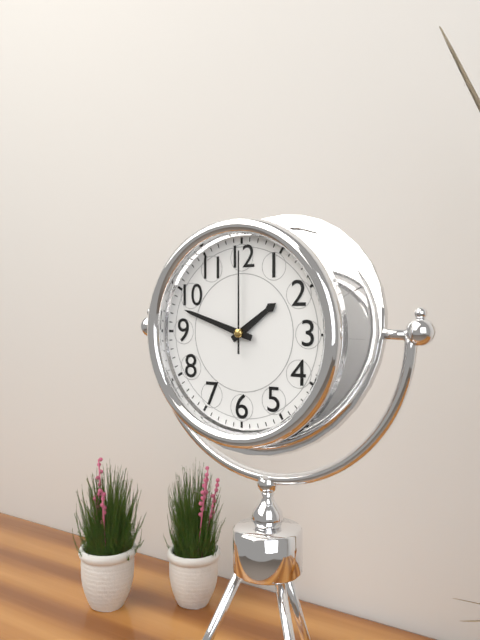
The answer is h=1 m=48 s=0
